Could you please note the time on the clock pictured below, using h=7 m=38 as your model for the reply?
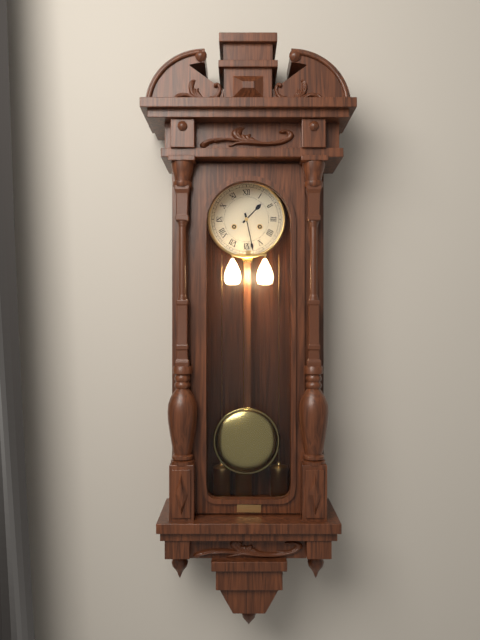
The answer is h=1 m=28
